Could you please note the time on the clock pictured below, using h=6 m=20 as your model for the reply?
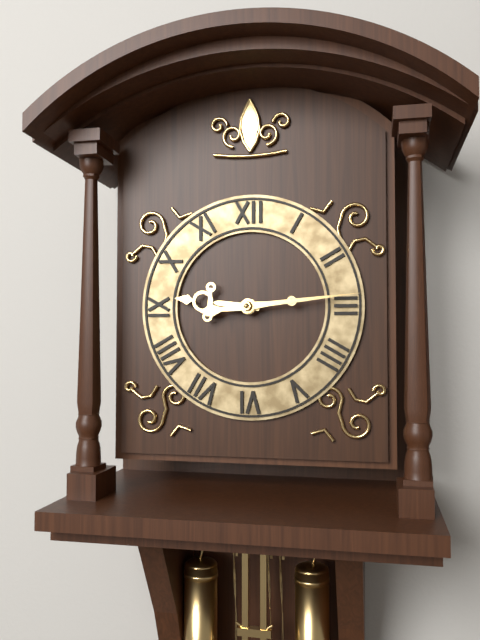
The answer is h=9 m=14
